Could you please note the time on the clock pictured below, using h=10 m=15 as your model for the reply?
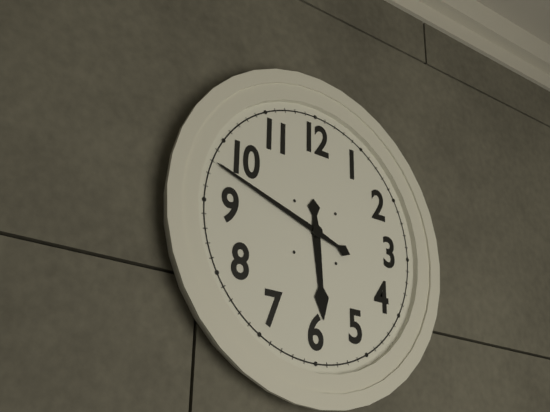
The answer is h=5 m=48
